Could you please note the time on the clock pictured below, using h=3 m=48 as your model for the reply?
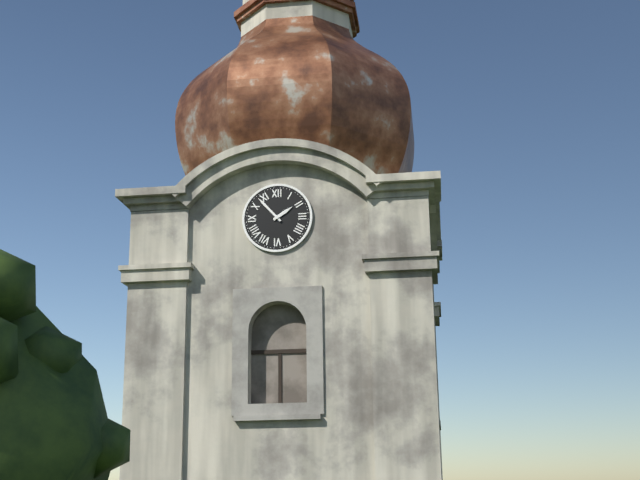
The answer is h=1 m=53
